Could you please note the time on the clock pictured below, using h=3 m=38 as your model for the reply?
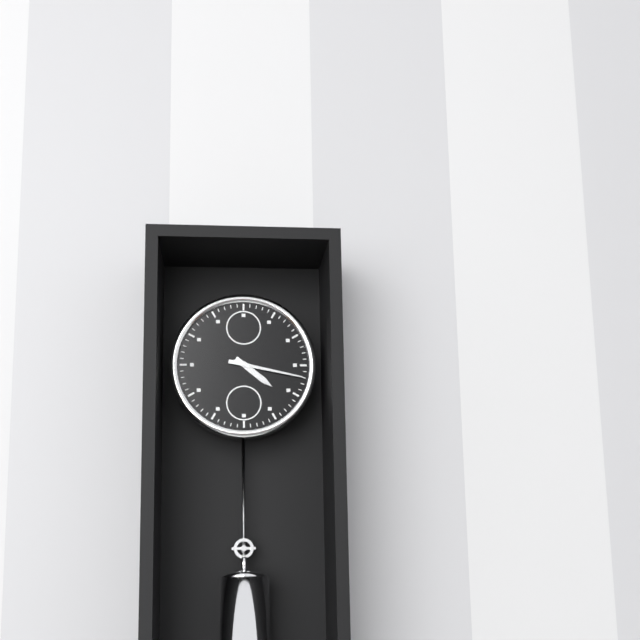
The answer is h=4 m=17
